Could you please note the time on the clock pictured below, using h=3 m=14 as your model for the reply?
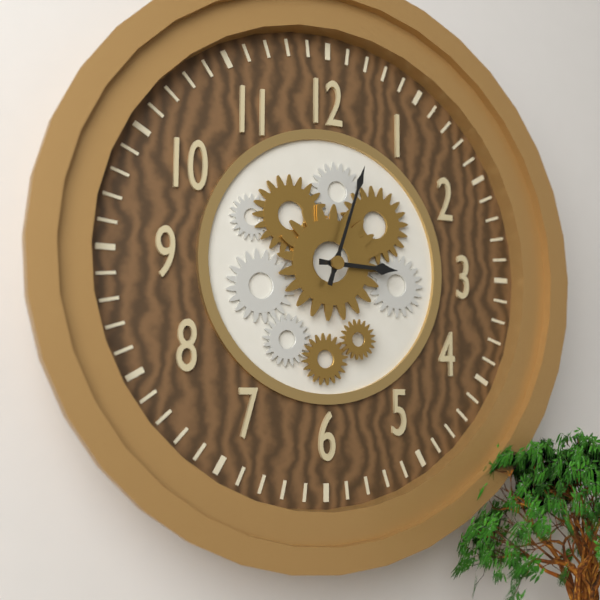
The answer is h=3 m=3
